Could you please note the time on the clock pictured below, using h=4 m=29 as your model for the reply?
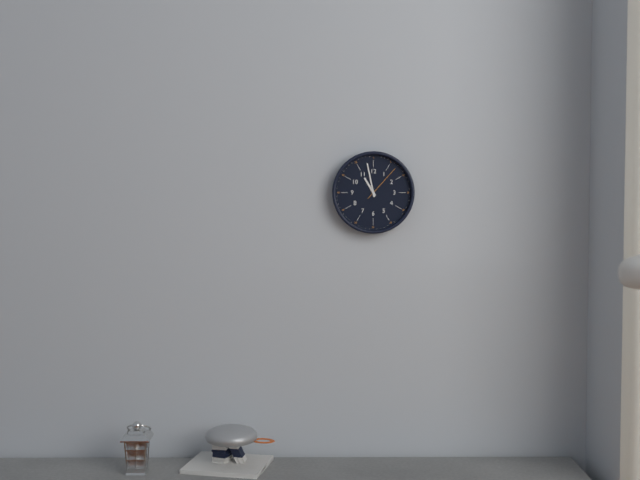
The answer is h=10 m=58
